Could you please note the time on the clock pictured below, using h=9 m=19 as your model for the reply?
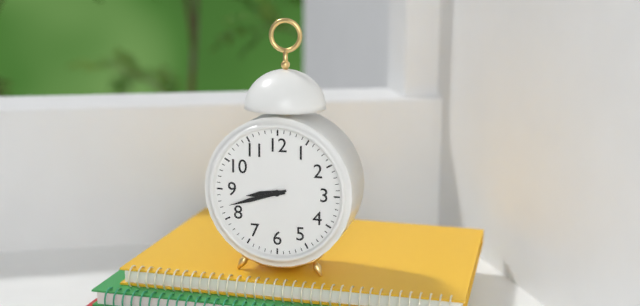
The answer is h=8 m=42
